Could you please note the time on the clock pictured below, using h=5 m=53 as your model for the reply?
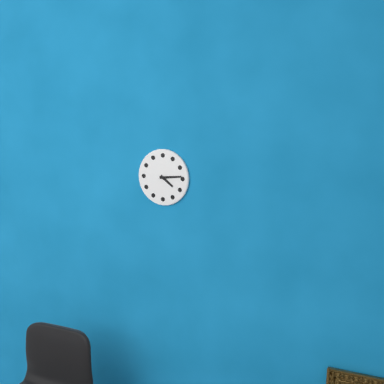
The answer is h=4 m=14
